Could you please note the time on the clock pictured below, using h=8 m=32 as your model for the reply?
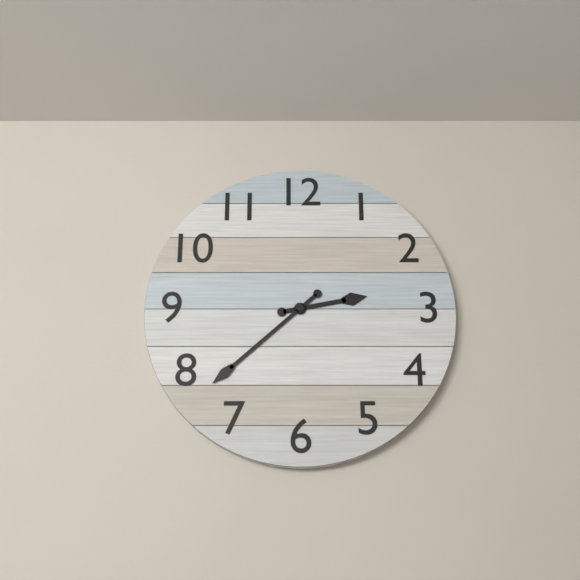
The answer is h=2 m=38
